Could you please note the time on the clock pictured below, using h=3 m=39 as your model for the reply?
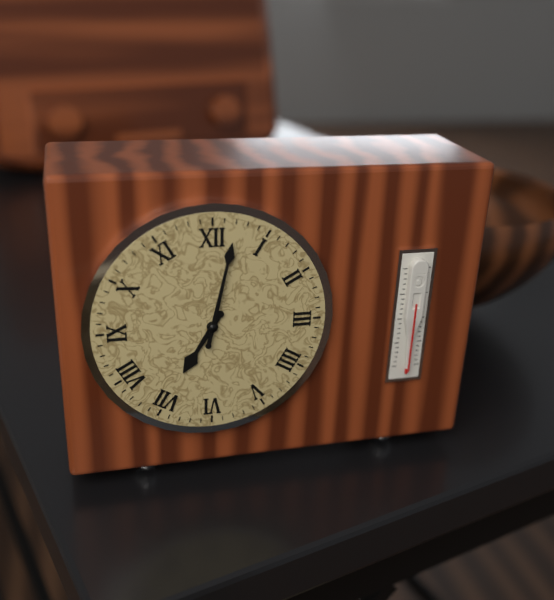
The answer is h=7 m=2
